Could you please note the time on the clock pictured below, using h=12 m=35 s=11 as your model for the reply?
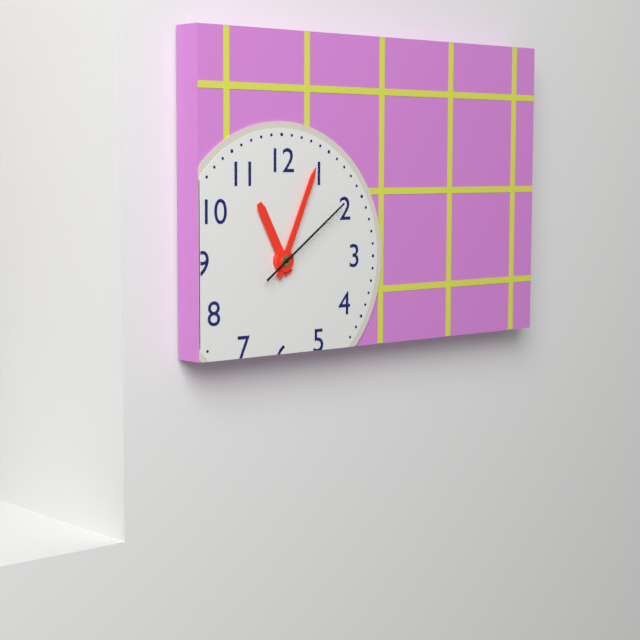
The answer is h=11 m=4 s=9
